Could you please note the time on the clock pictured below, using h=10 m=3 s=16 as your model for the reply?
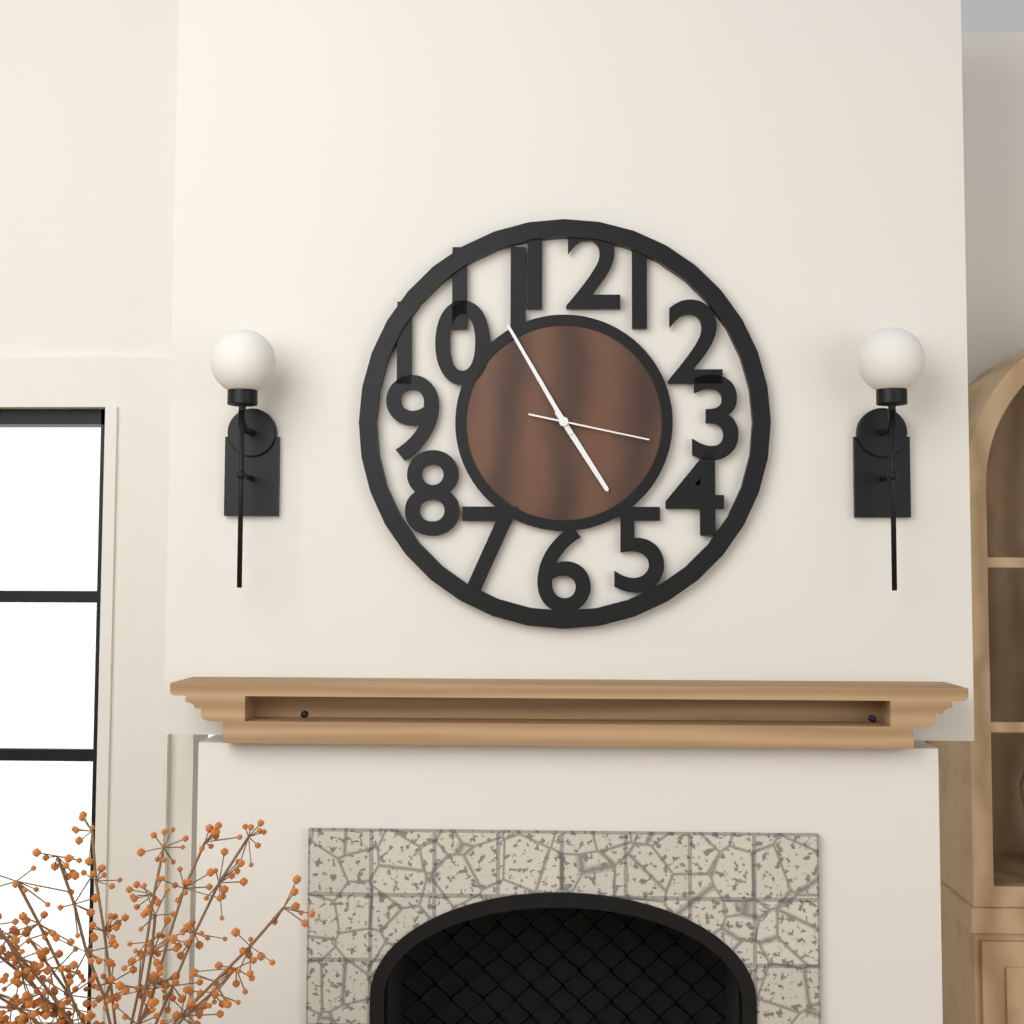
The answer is h=4 m=55 s=17
